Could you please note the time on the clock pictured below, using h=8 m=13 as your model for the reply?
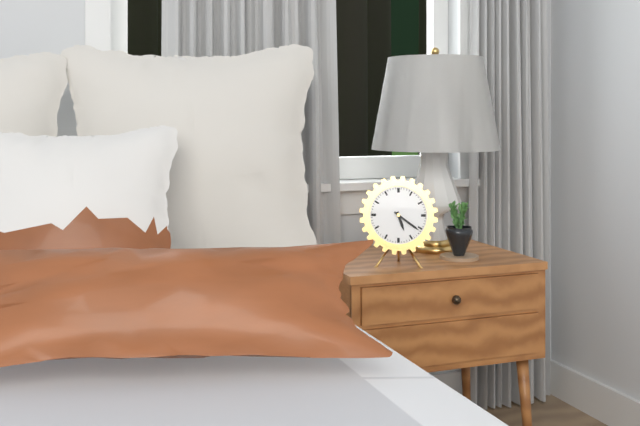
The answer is h=5 m=21
